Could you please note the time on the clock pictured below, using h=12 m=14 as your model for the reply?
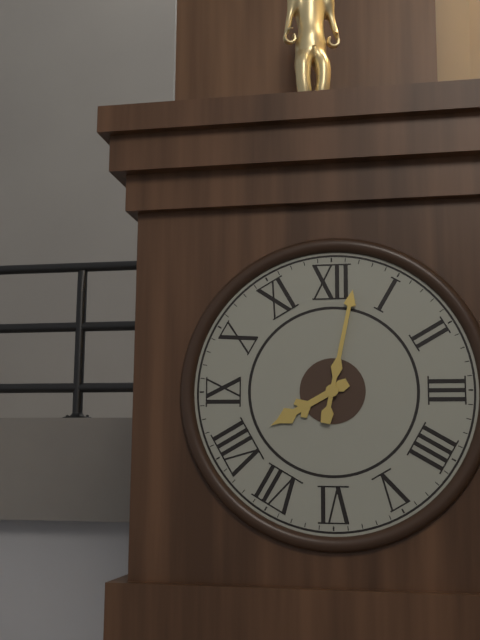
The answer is h=8 m=2
